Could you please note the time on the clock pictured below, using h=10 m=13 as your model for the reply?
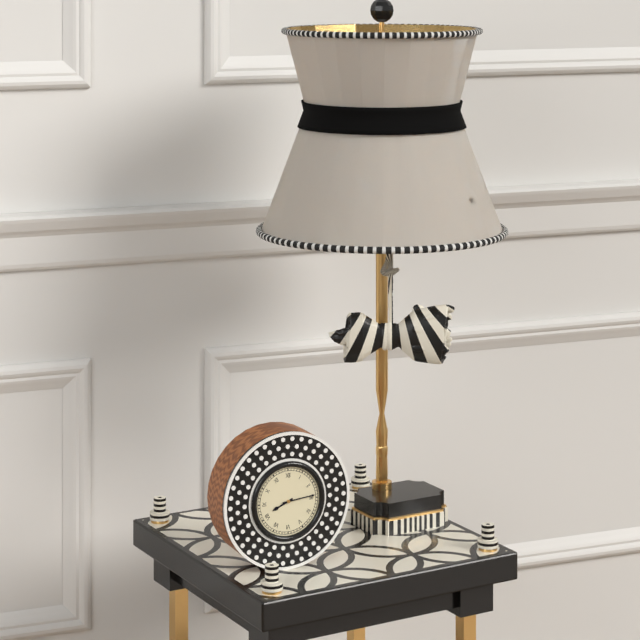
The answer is h=8 m=14
